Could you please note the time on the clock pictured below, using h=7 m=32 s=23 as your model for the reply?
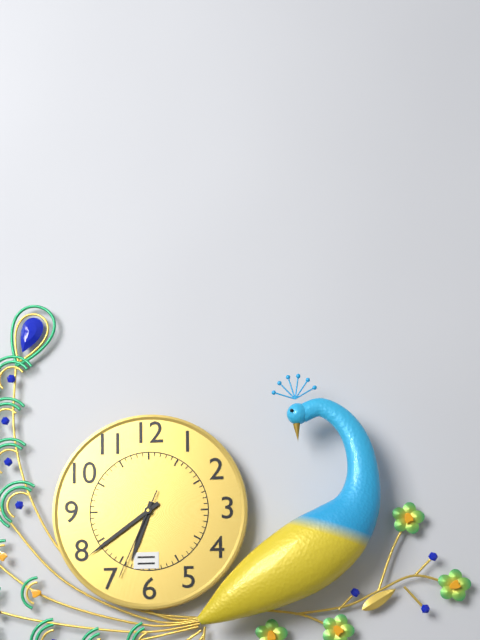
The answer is h=6 m=39 s=34
